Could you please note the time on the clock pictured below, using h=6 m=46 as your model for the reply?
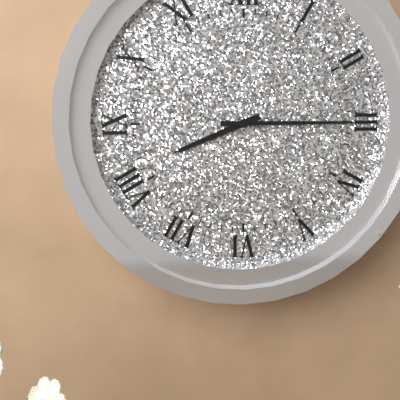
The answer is h=8 m=15
